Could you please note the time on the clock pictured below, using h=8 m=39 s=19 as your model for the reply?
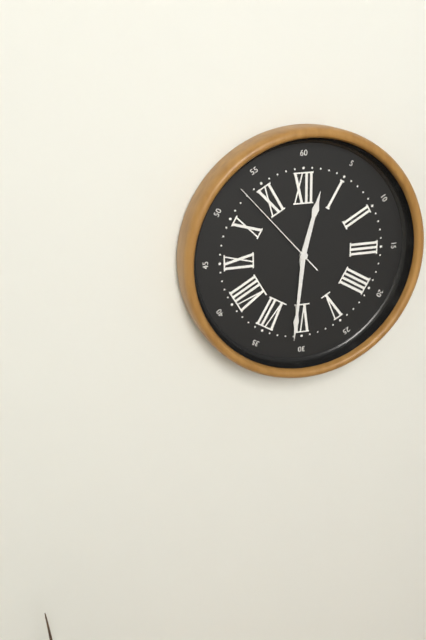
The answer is h=12 m=31 s=53
